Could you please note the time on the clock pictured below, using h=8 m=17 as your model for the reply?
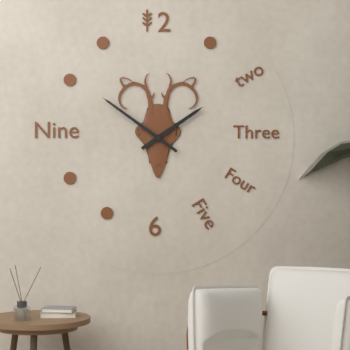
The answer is h=1 m=51
